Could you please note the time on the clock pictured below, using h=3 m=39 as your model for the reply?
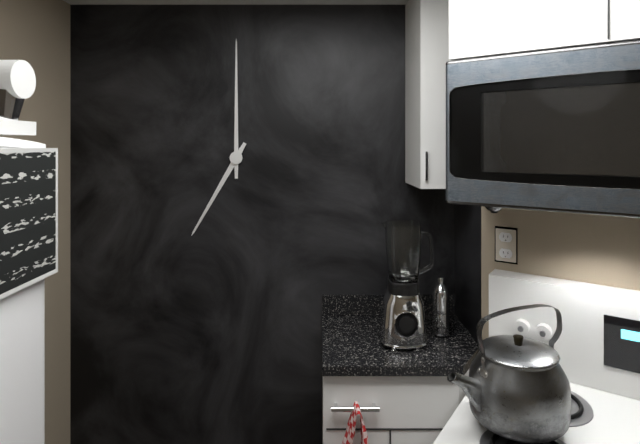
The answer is h=7 m=0
